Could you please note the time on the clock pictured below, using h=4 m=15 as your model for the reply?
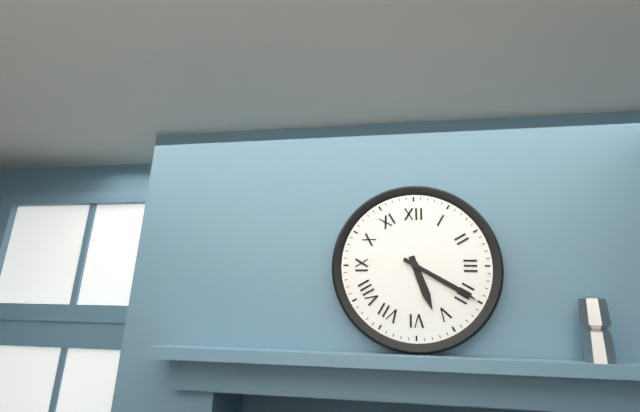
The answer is h=5 m=20
